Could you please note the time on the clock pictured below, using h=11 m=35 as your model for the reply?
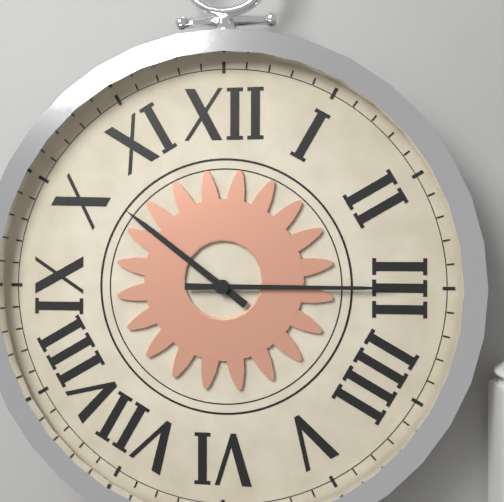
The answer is h=10 m=15
